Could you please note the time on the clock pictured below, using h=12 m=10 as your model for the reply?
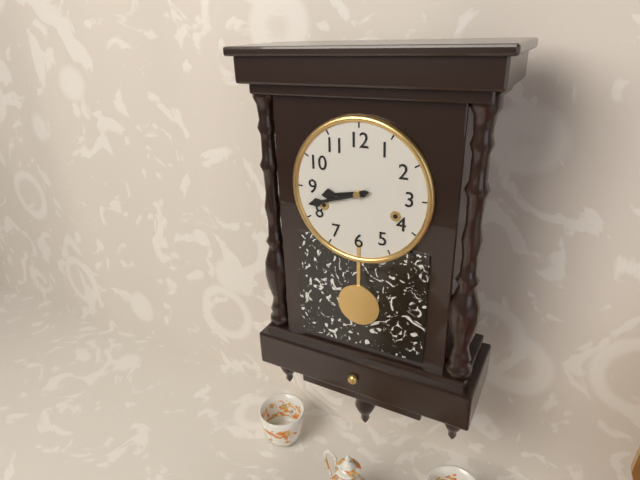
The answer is h=8 m=42
